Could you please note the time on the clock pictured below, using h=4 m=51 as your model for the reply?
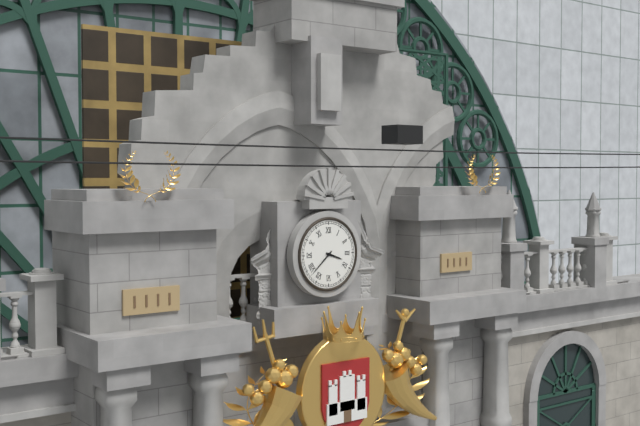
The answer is h=3 m=38
